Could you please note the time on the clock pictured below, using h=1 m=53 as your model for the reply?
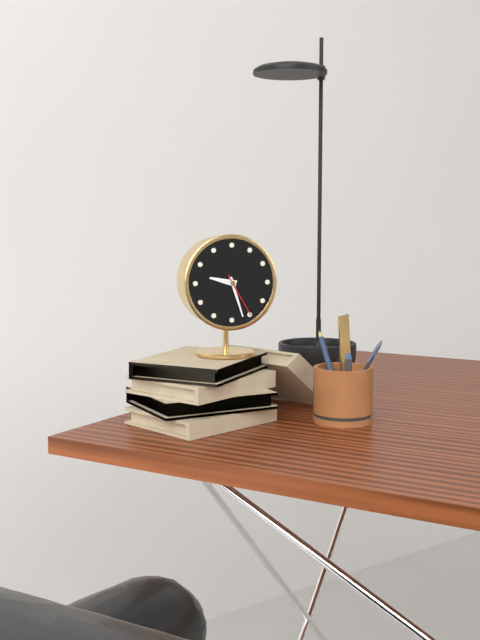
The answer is h=9 m=27
